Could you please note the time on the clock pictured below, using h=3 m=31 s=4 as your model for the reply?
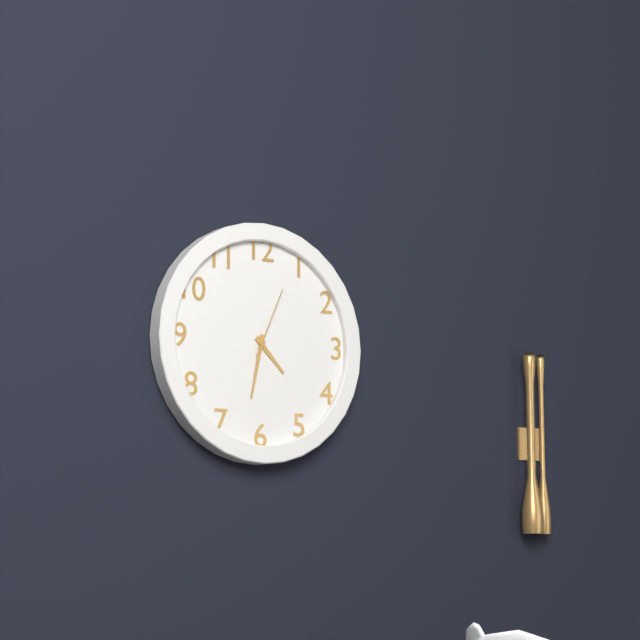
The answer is h=4 m=32 s=4
